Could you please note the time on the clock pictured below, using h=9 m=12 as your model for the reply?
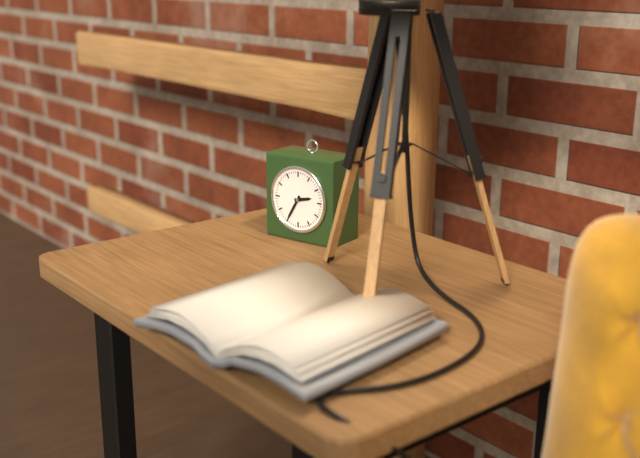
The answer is h=2 m=35
